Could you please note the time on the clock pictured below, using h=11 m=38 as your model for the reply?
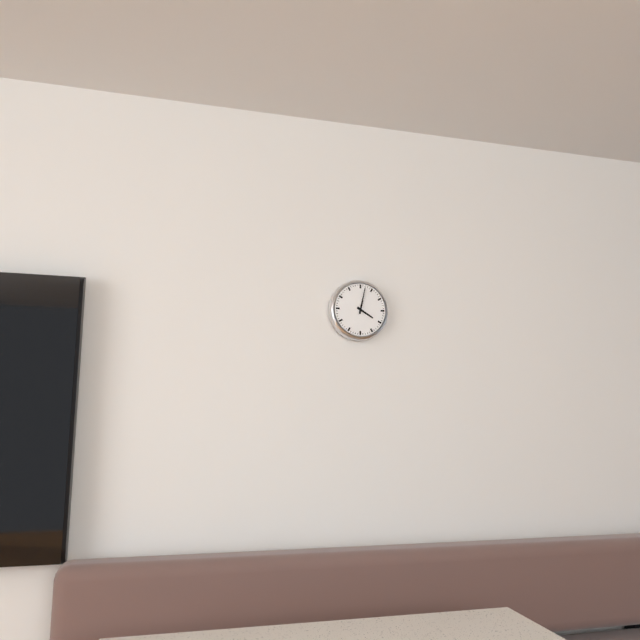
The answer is h=4 m=2
